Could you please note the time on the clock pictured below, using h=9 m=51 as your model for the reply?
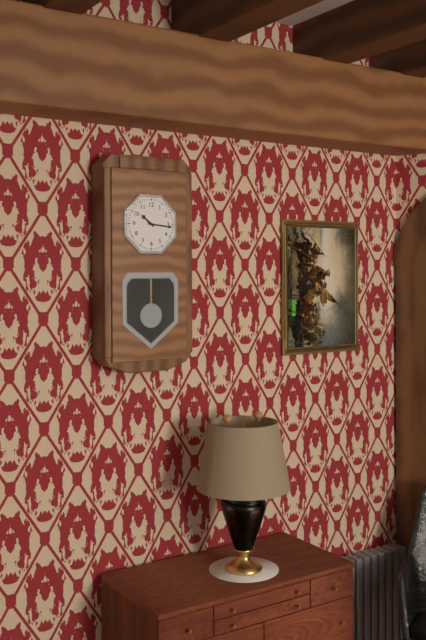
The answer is h=10 m=16
